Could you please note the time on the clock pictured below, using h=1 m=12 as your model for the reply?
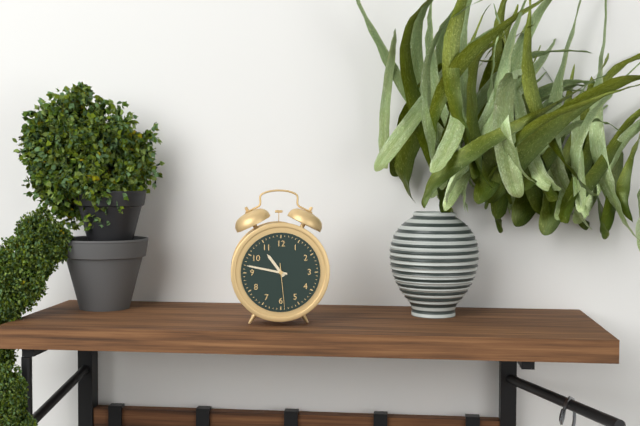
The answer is h=10 m=47
